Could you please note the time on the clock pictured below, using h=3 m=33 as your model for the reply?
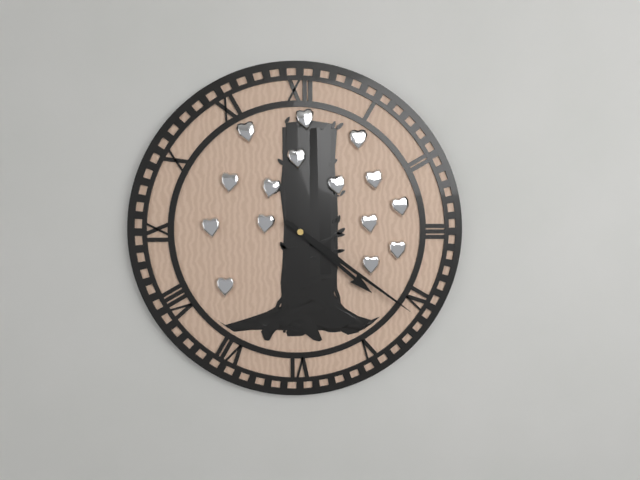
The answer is h=4 m=21
